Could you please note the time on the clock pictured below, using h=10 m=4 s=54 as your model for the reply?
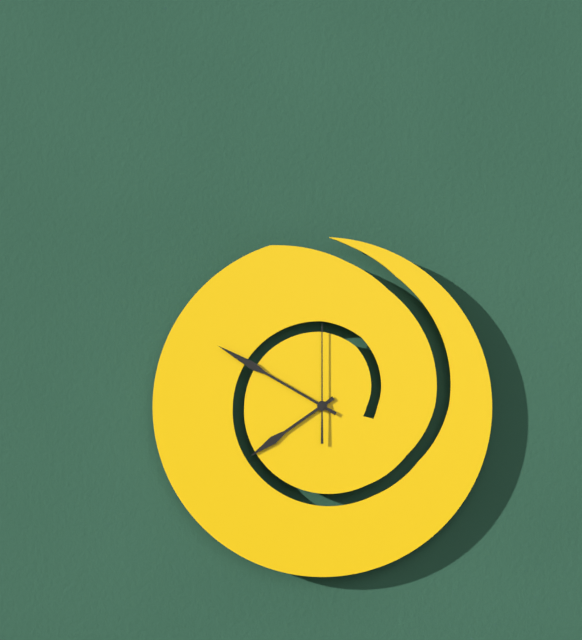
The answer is h=7 m=50 s=0
